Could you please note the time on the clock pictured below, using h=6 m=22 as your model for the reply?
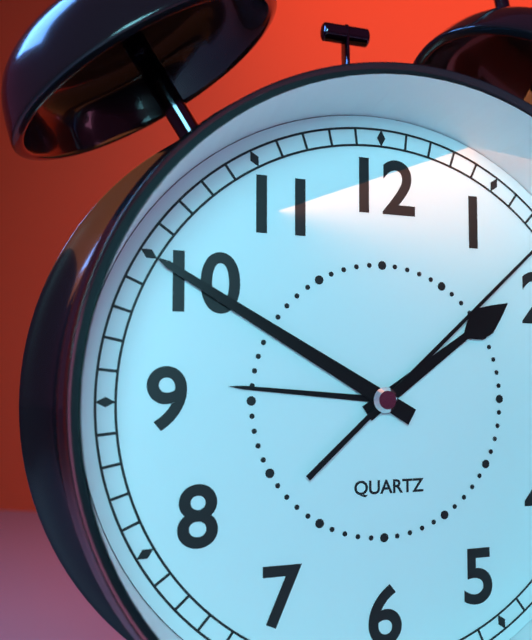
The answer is h=1 m=50
